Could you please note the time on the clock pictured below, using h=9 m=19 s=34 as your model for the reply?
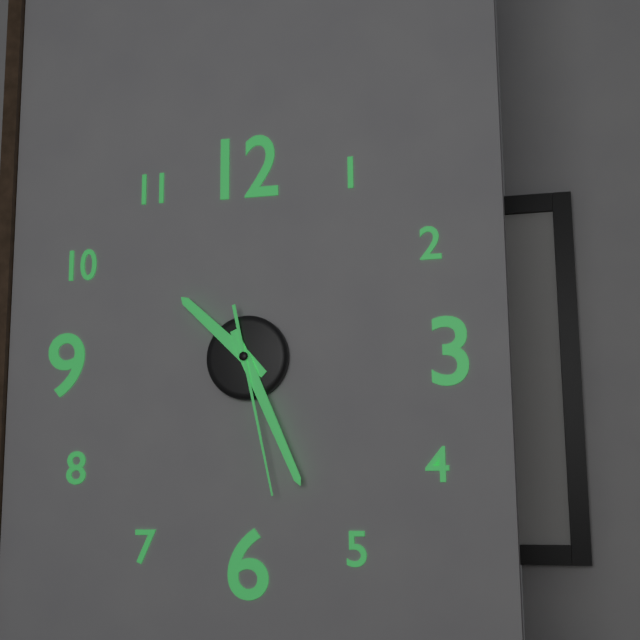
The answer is h=10 m=26 s=28
